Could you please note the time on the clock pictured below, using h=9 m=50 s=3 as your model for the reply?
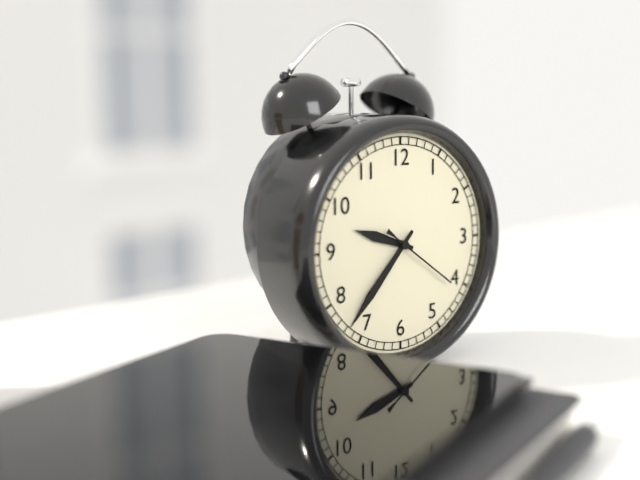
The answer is h=9 m=37 s=21
